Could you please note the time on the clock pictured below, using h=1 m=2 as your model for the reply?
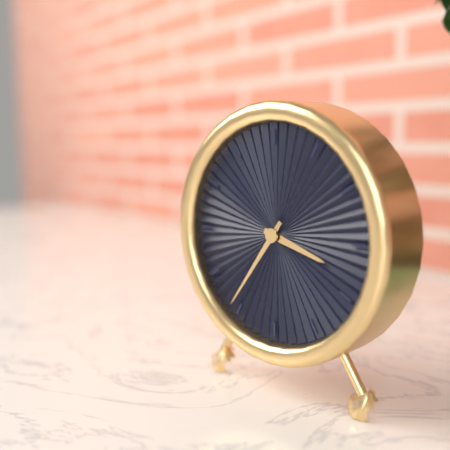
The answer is h=3 m=36
